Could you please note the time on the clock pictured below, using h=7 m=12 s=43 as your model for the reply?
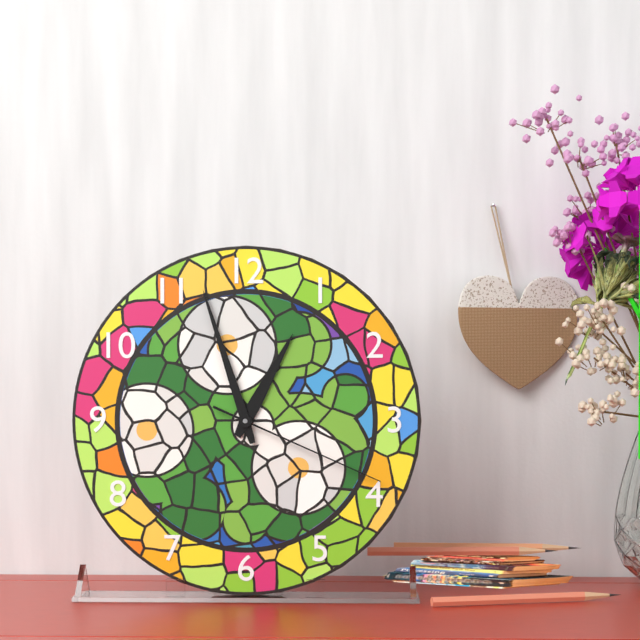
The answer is h=12 m=57 s=19
